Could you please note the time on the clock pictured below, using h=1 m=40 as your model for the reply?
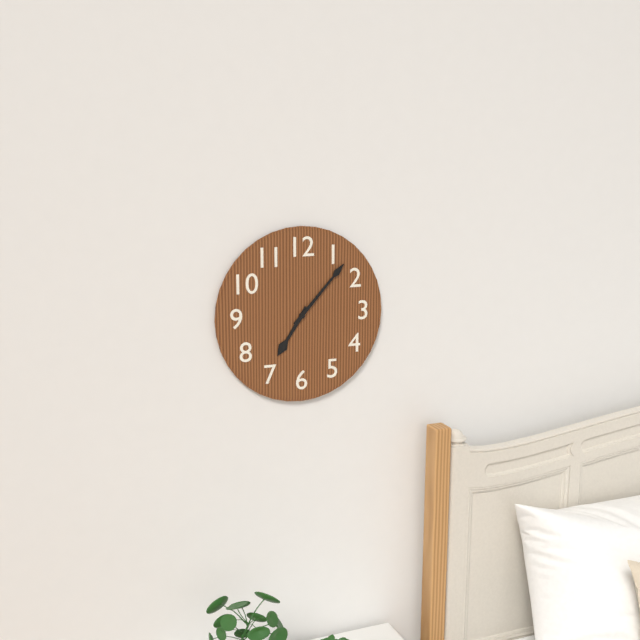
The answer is h=7 m=7
